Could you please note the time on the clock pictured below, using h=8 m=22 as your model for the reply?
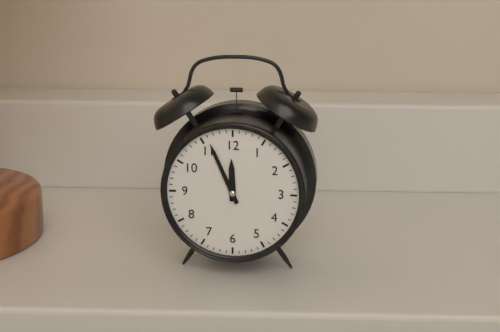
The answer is h=11 m=56
